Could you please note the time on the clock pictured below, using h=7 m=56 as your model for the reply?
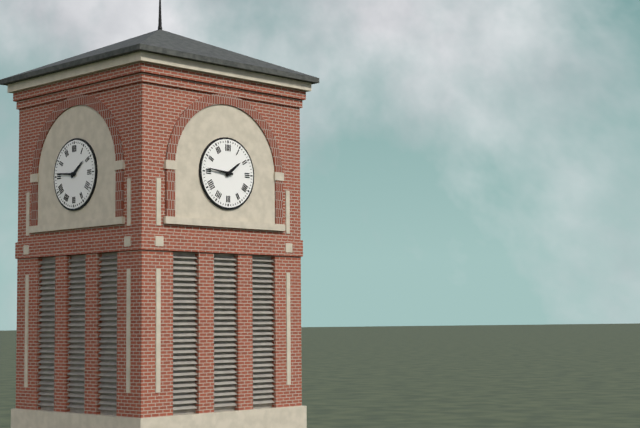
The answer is h=1 m=46
